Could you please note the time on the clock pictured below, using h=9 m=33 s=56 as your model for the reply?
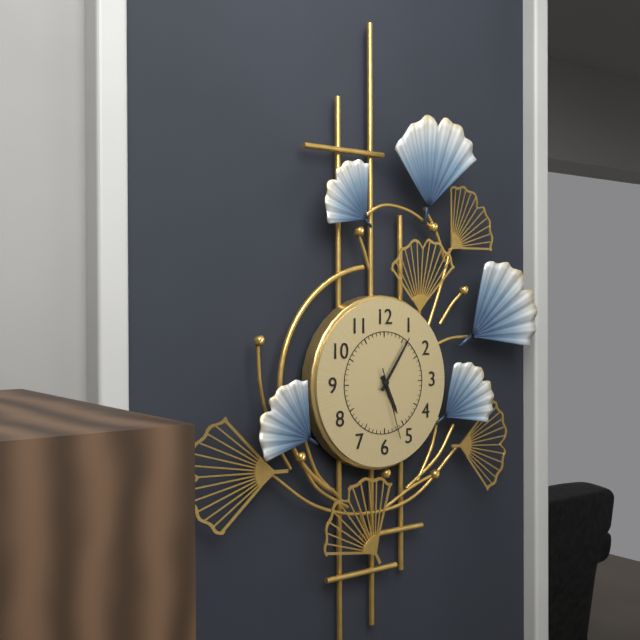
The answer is h=5 m=6 s=27
